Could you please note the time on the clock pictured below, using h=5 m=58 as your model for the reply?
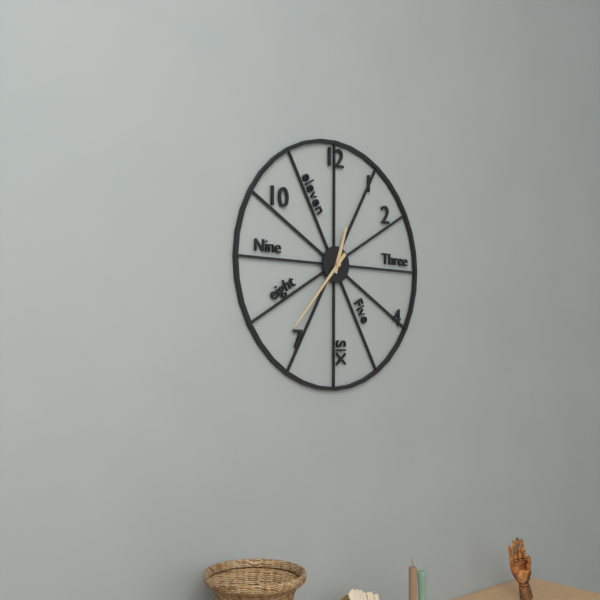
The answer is h=12 m=37
